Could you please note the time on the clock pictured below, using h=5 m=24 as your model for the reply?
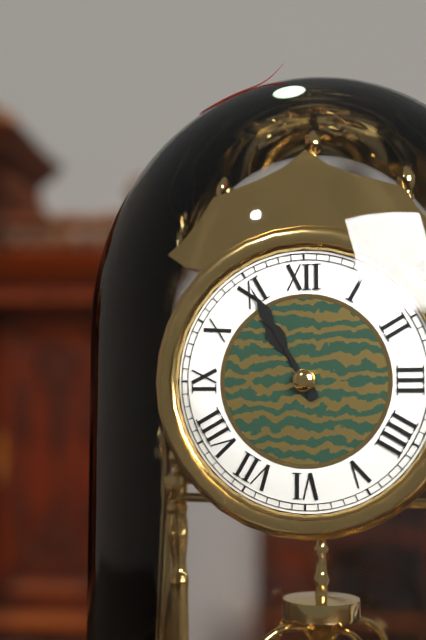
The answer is h=10 m=55
